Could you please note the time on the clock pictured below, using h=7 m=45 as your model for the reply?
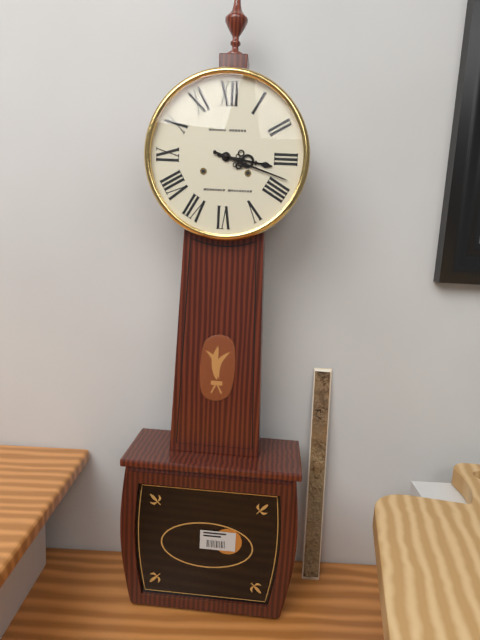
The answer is h=3 m=18
